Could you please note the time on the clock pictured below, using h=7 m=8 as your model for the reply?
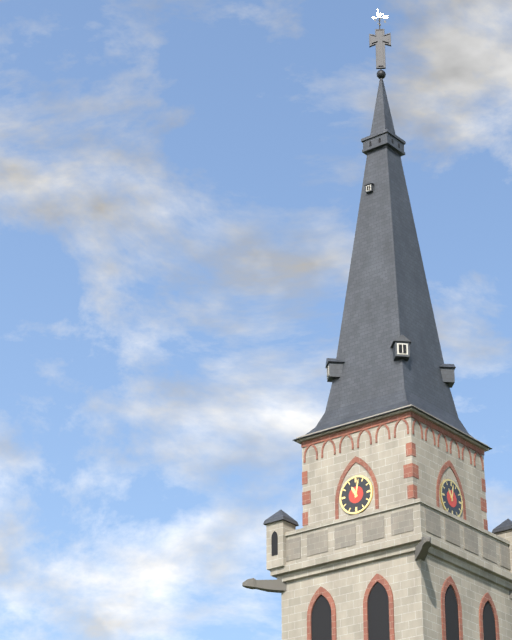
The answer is h=11 m=2
